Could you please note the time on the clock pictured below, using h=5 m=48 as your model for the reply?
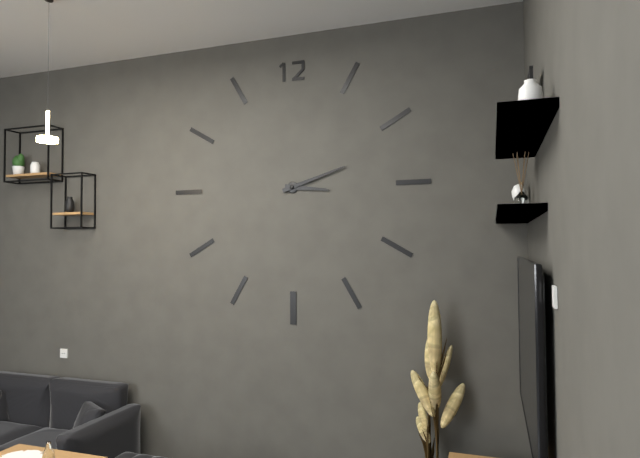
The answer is h=3 m=12
